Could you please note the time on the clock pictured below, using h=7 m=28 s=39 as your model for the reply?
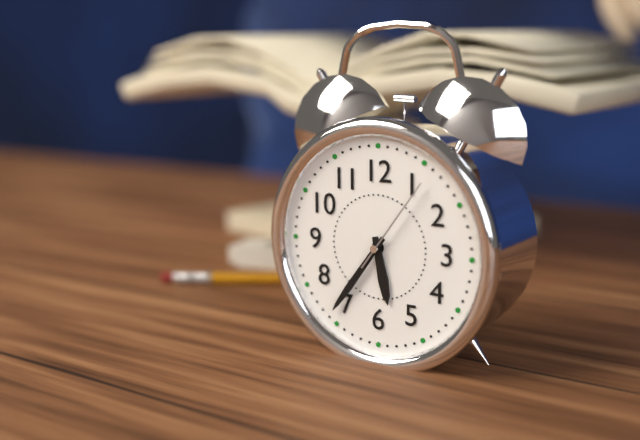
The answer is h=5 m=36 s=6
